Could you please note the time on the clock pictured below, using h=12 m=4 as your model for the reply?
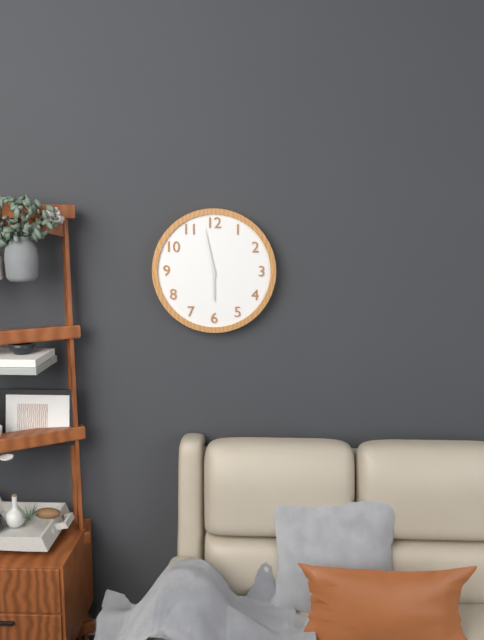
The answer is h=5 m=58
